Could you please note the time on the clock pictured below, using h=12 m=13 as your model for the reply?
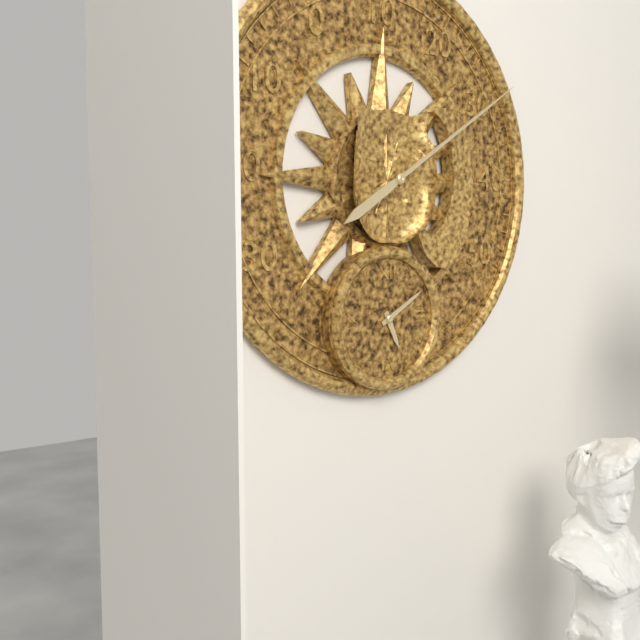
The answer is h=5 m=10
